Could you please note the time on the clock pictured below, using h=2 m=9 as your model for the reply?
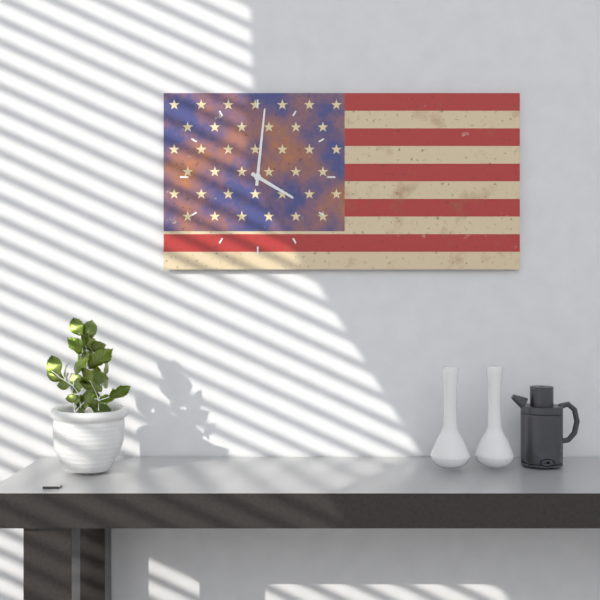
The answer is h=4 m=1
